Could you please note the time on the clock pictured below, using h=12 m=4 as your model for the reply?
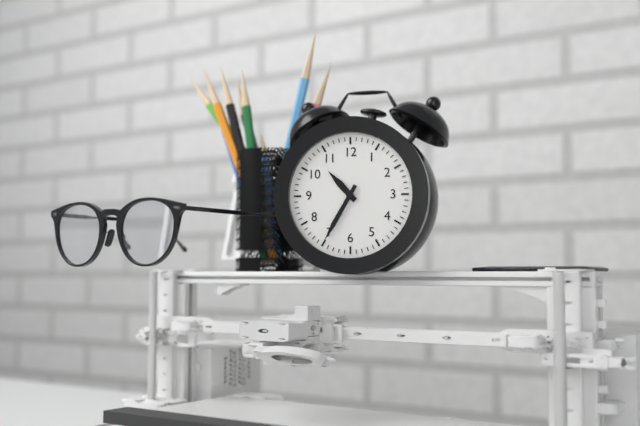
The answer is h=10 m=35
